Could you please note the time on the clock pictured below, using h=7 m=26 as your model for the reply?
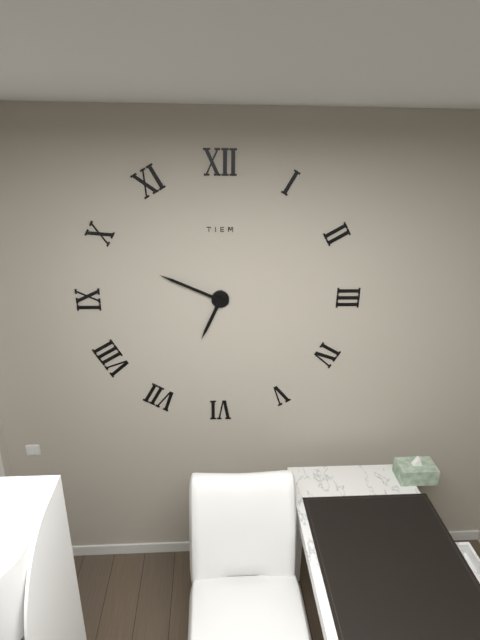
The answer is h=6 m=49
